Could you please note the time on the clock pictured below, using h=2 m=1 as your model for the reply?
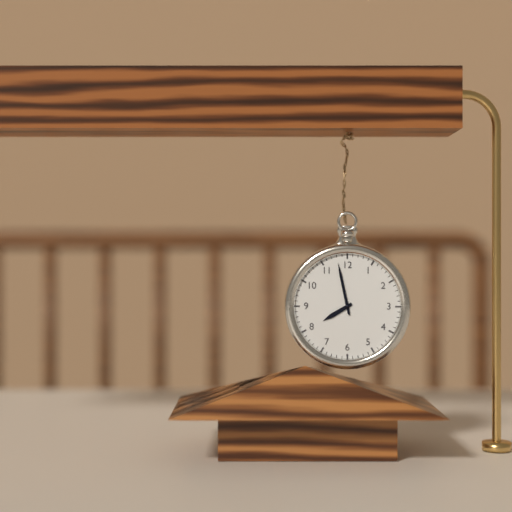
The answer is h=7 m=58
